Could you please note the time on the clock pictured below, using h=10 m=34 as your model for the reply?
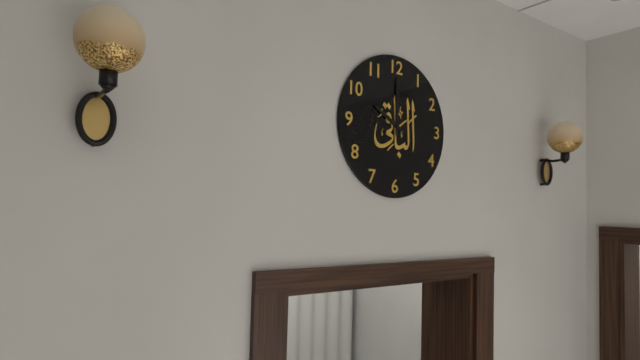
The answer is h=10 m=0
